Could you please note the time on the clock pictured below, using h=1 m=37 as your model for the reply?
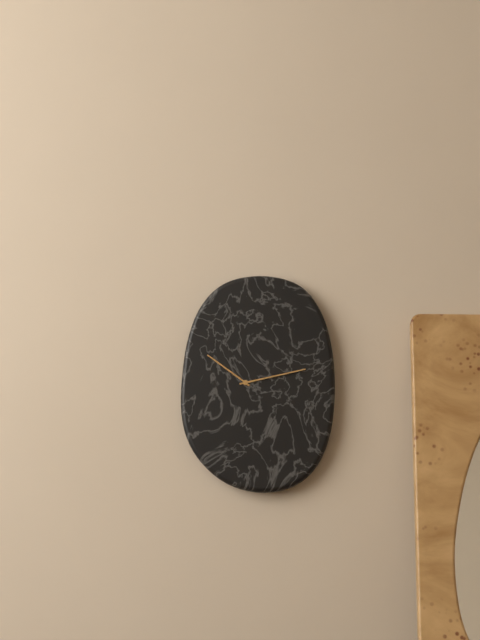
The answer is h=10 m=13
